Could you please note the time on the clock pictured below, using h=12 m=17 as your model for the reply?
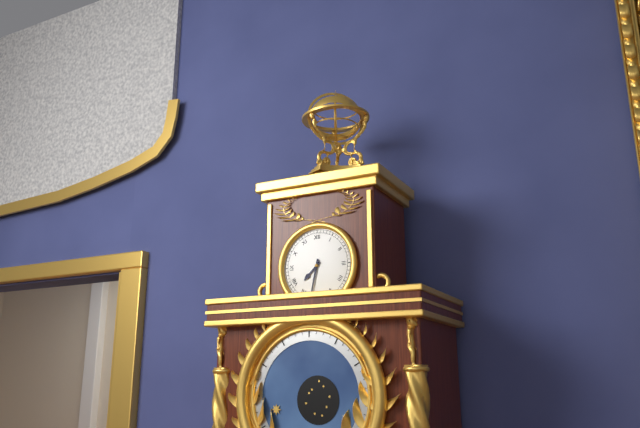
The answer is h=7 m=32
